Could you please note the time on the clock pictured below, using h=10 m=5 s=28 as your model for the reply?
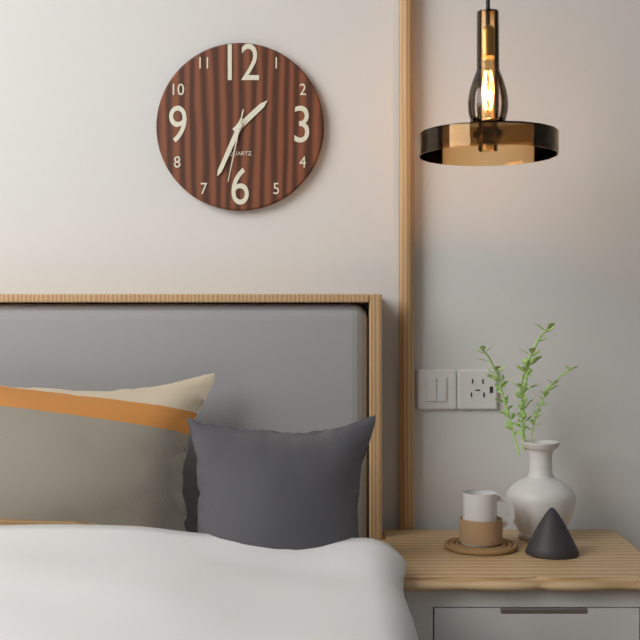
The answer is h=1 m=34 s=32
